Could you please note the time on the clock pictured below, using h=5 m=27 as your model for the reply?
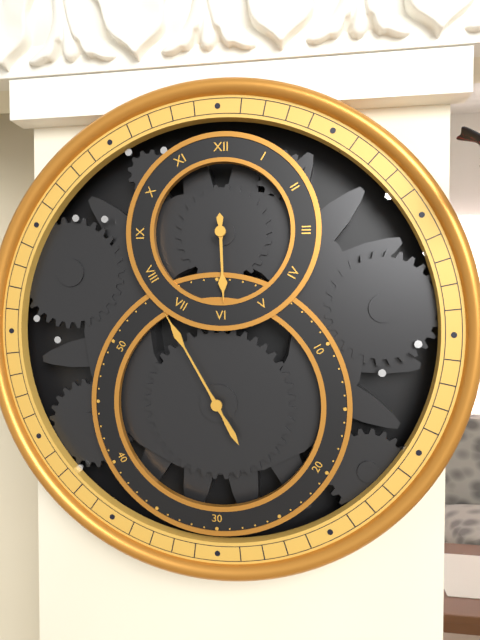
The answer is h=5 m=55
